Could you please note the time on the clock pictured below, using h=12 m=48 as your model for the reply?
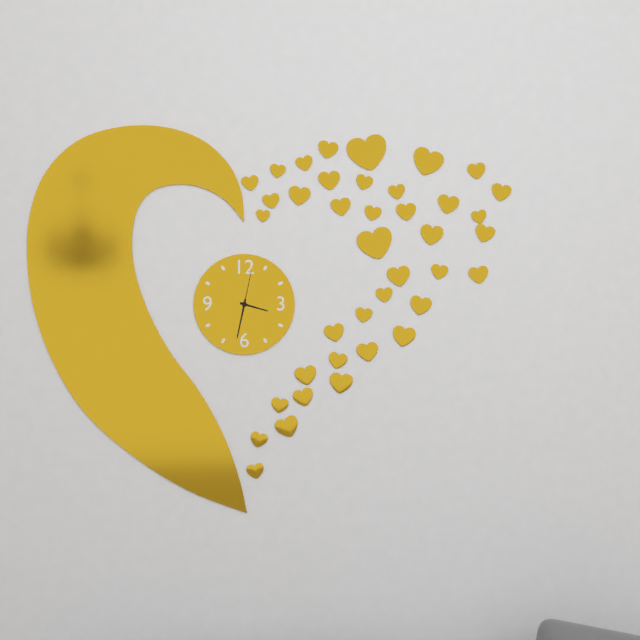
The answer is h=3 m=32
